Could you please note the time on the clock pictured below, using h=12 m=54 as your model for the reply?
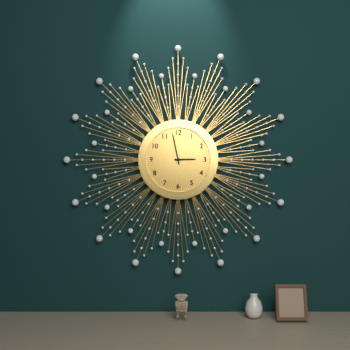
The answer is h=2 m=58
